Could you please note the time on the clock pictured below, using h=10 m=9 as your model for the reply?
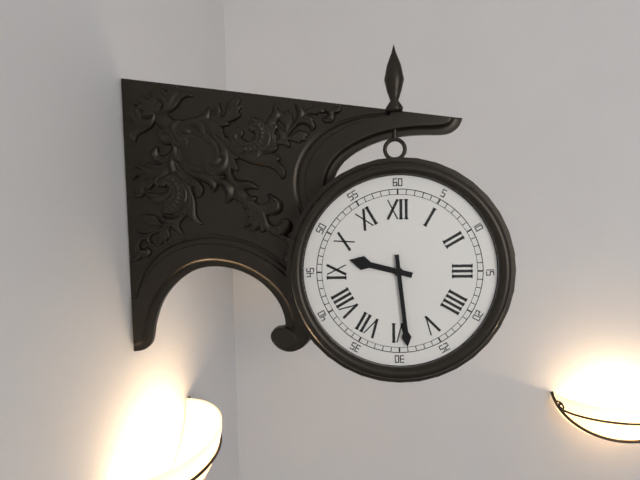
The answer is h=9 m=29
